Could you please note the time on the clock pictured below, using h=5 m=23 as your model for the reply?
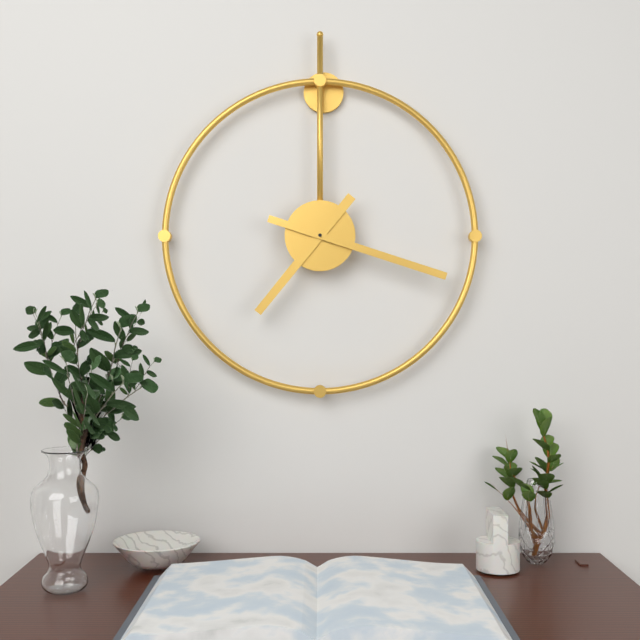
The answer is h=7 m=18
